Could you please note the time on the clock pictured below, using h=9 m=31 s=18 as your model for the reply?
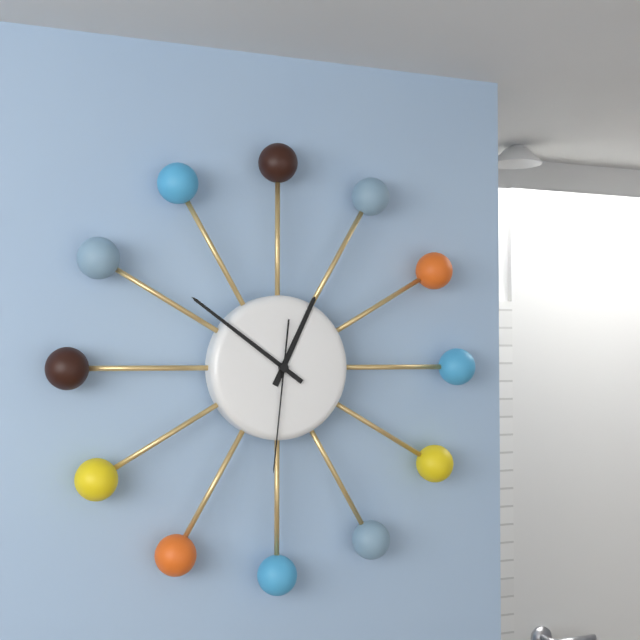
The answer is h=12 m=51 s=31
